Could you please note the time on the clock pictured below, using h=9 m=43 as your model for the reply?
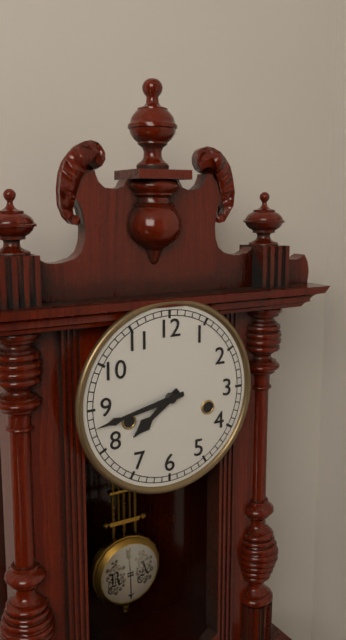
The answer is h=7 m=43
